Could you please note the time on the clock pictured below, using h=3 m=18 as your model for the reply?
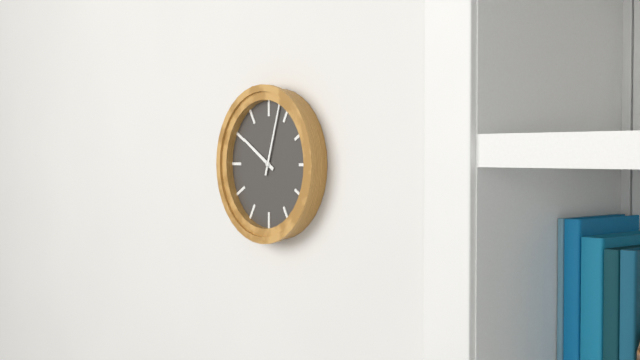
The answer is h=10 m=3
